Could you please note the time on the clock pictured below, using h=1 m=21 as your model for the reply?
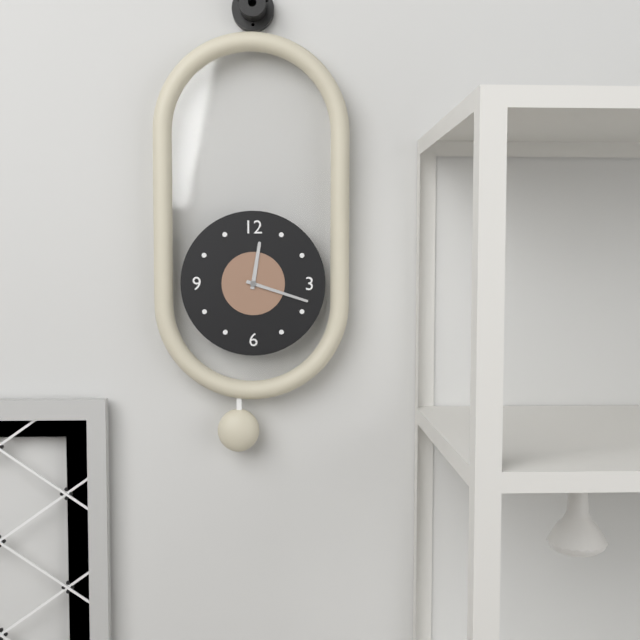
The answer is h=12 m=18
